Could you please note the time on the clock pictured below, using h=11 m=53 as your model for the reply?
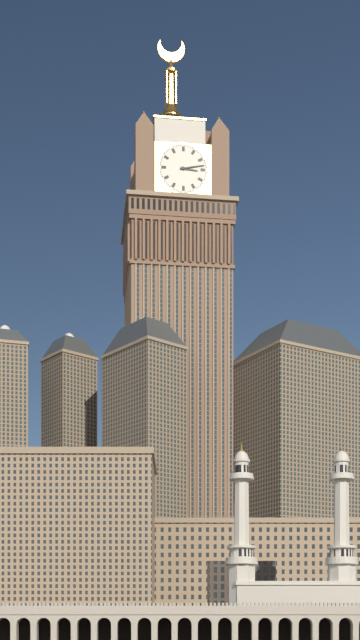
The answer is h=3 m=13
